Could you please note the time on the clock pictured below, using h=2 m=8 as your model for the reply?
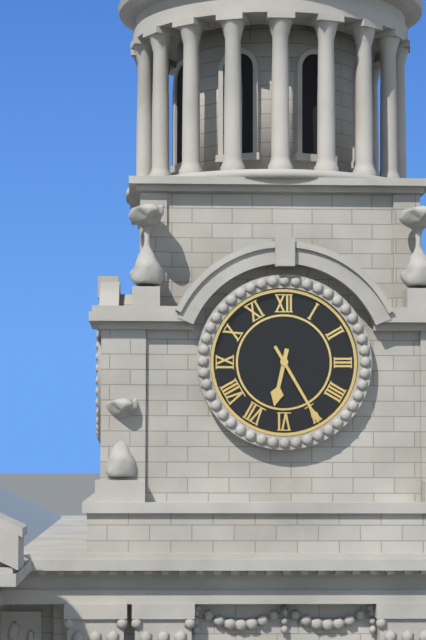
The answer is h=6 m=25
